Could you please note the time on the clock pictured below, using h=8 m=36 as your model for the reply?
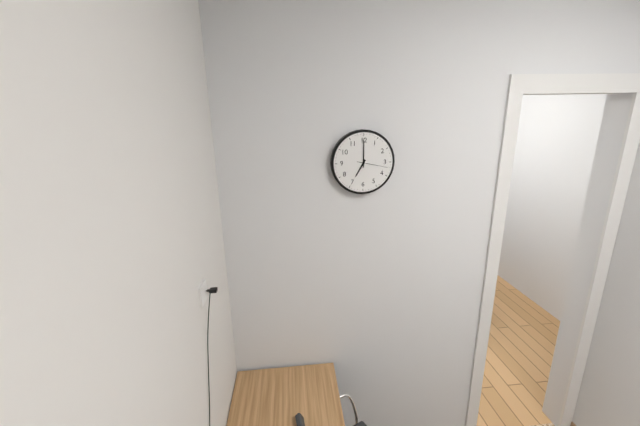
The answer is h=7 m=0
